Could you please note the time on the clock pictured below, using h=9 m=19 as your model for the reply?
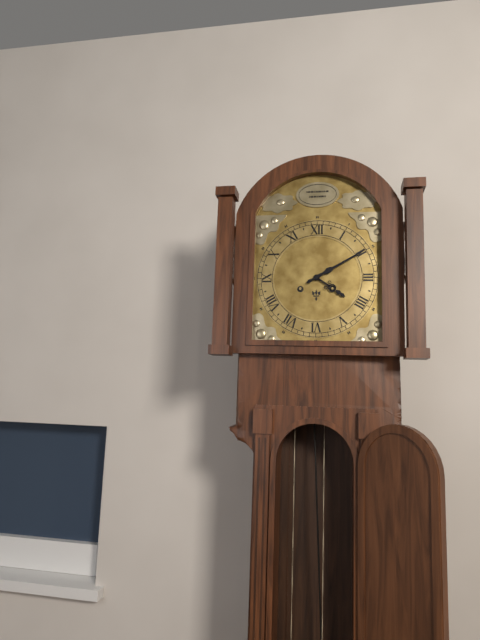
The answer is h=4 m=10
